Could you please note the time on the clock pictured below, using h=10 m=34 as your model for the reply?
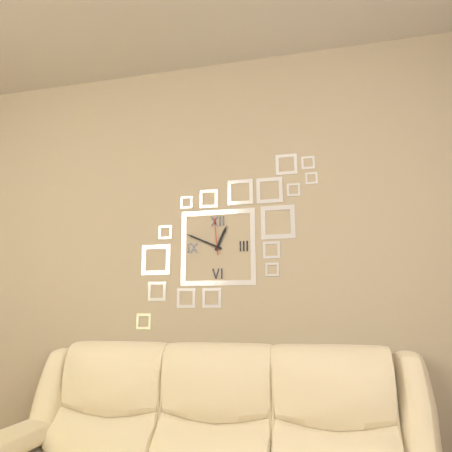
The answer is h=12 m=49
